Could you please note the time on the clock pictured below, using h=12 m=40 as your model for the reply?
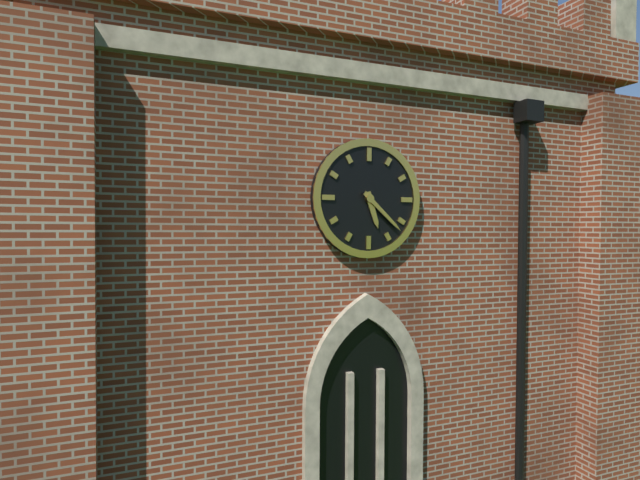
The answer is h=5 m=22
